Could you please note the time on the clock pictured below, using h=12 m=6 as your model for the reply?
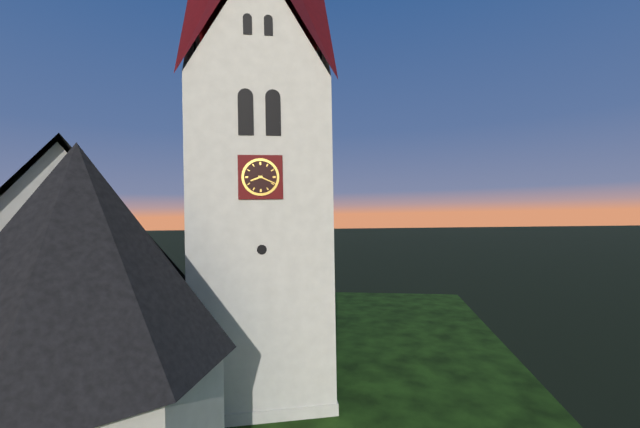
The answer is h=8 m=19
